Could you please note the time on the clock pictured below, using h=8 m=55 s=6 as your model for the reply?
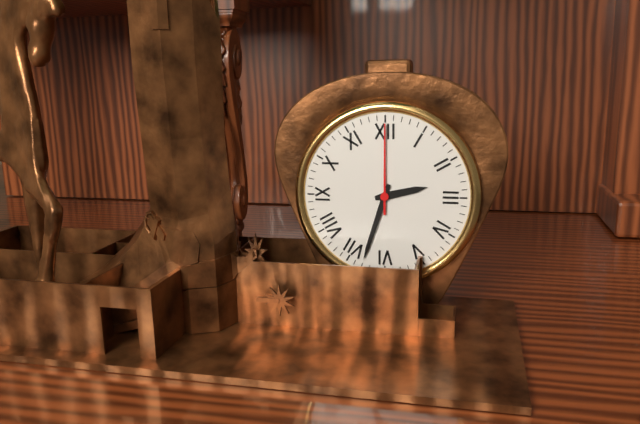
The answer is h=2 m=33 s=0
